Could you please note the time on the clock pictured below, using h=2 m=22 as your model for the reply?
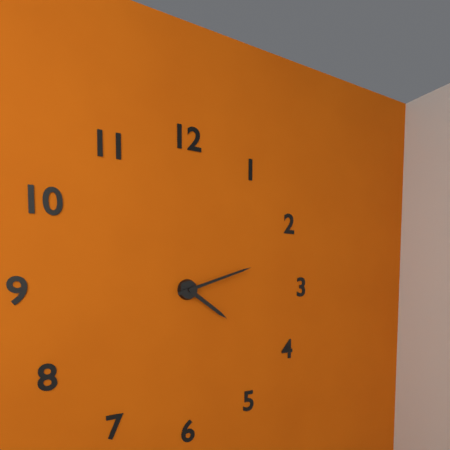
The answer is h=4 m=12
